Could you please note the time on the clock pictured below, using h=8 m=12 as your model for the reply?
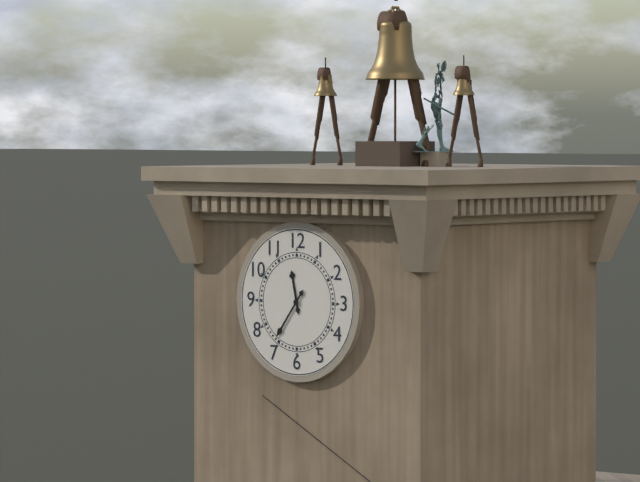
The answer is h=11 m=36
